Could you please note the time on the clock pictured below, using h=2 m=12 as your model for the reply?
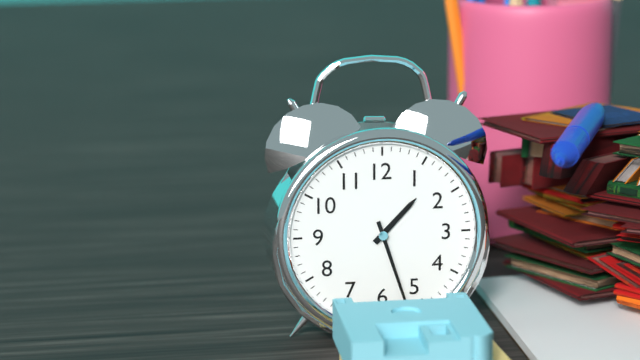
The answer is h=1 m=27
